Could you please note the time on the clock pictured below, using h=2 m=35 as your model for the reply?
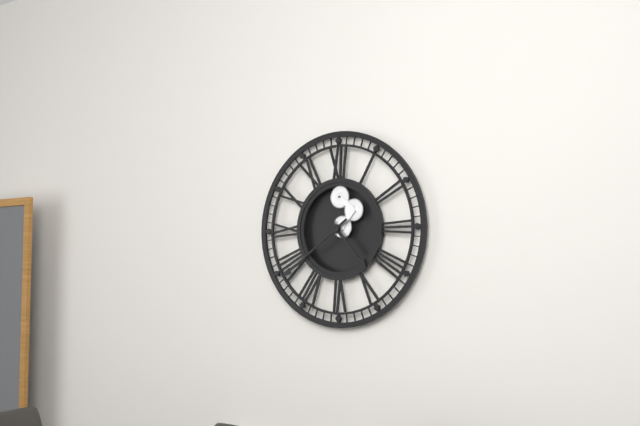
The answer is h=4 m=39
